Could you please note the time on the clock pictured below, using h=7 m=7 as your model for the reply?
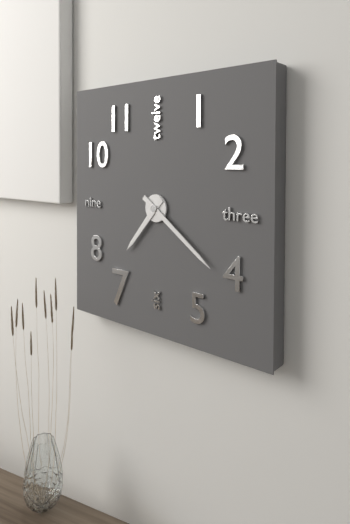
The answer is h=7 m=21
